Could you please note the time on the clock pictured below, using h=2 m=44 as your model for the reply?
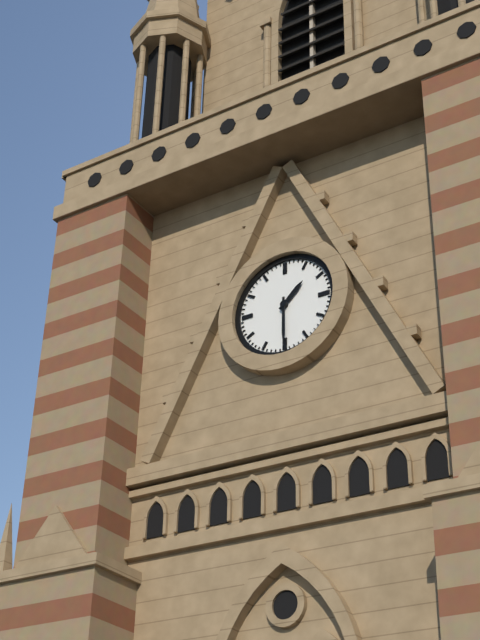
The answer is h=1 m=30
